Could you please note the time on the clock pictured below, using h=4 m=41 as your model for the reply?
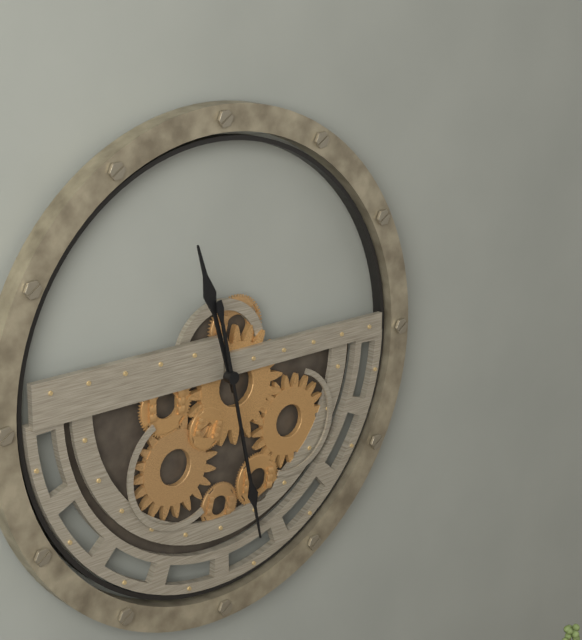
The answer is h=11 m=28
